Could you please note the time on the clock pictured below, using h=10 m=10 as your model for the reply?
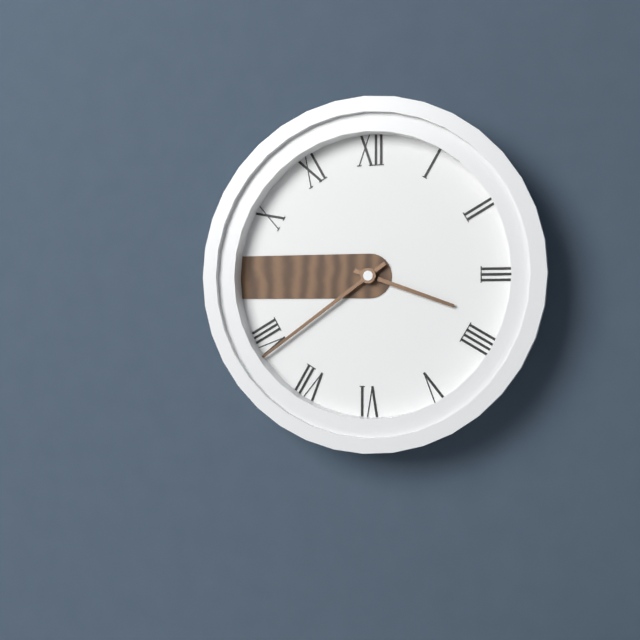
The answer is h=3 m=39
